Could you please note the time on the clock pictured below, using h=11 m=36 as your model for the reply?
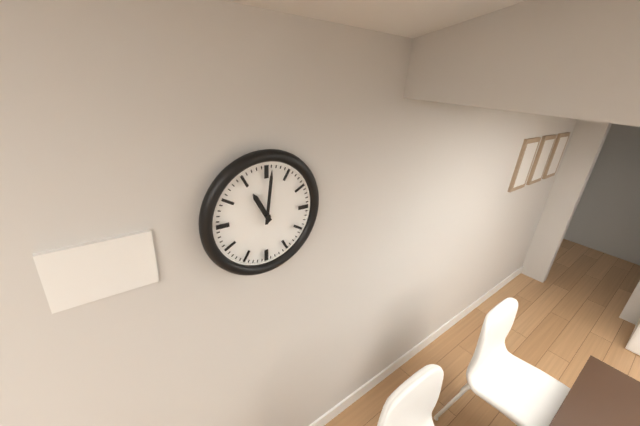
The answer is h=11 m=1
